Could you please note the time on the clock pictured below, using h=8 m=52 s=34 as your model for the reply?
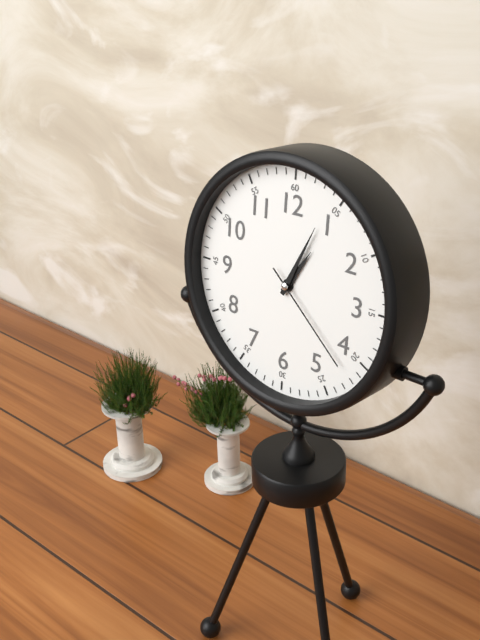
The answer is h=1 m=4 s=22
